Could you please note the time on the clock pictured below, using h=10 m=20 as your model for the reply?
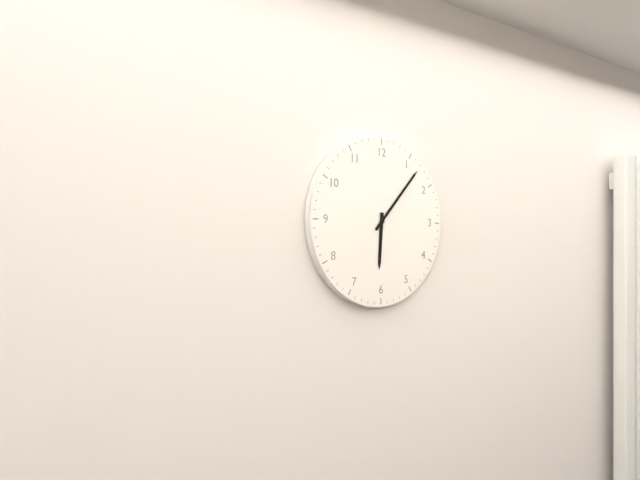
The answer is h=6 m=7
